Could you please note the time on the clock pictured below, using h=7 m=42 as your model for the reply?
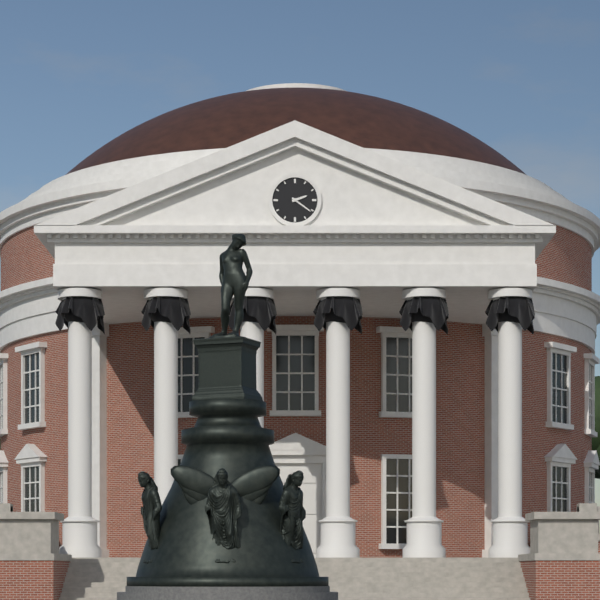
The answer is h=2 m=21
